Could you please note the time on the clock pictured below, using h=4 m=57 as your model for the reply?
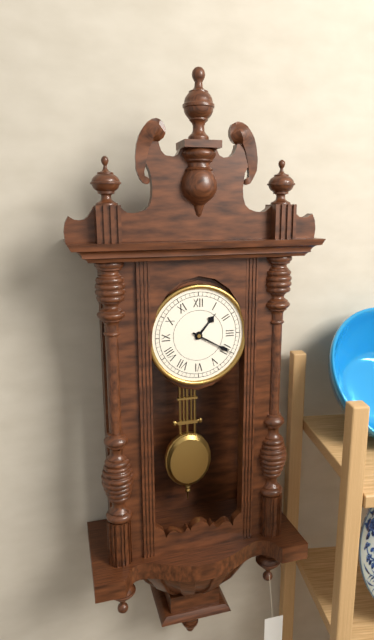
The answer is h=1 m=20
